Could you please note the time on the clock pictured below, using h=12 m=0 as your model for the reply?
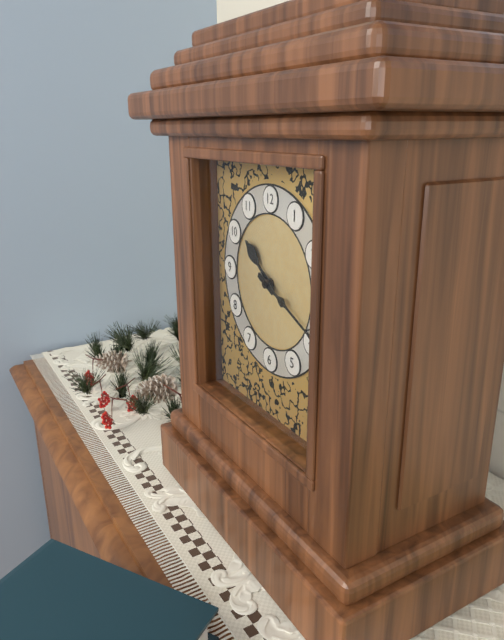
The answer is h=10 m=19
